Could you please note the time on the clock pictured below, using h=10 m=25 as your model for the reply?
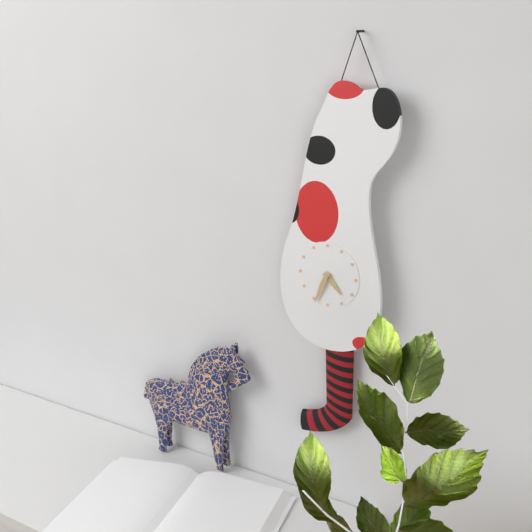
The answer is h=4 m=34
